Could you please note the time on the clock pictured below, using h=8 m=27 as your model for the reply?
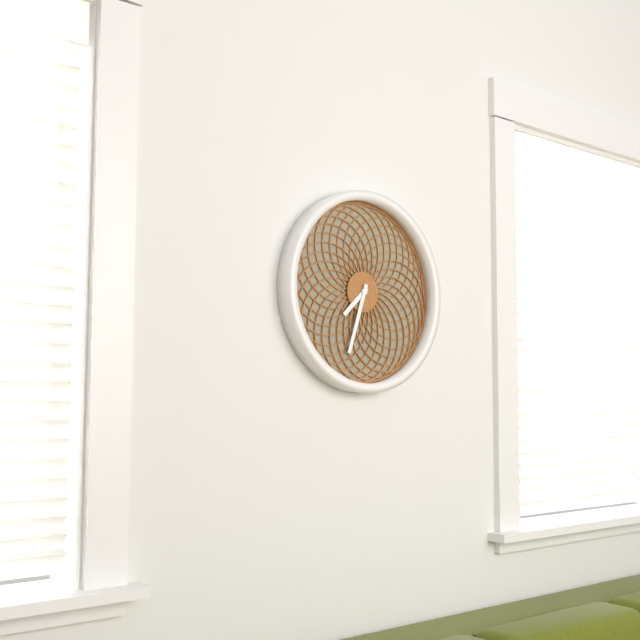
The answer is h=7 m=33
